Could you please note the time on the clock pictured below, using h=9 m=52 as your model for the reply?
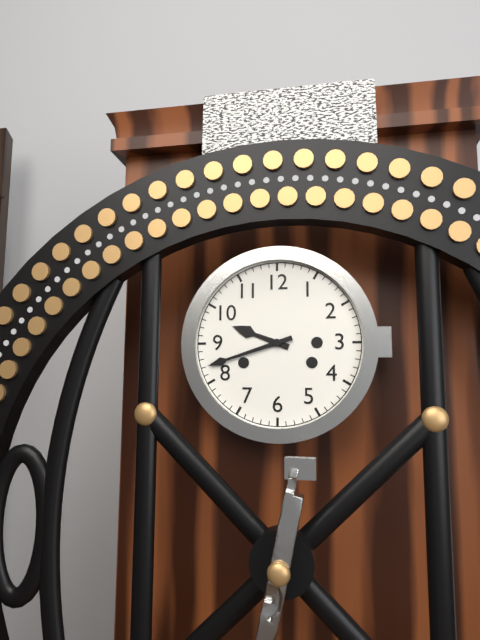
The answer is h=9 m=42
